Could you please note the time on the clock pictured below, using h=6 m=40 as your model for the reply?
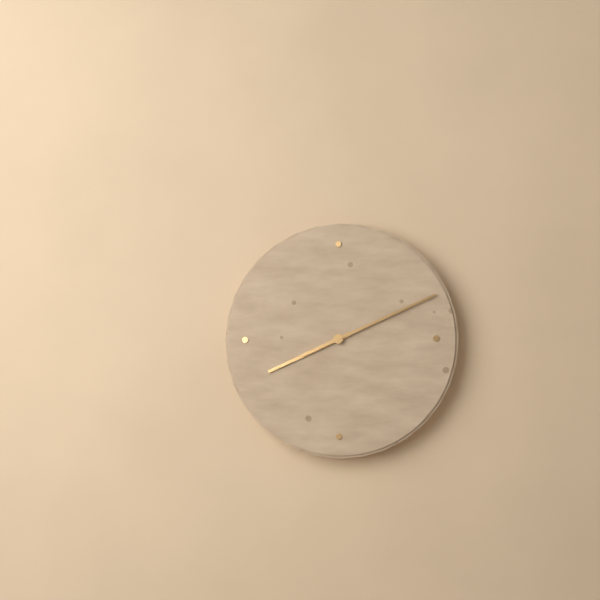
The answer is h=8 m=11
